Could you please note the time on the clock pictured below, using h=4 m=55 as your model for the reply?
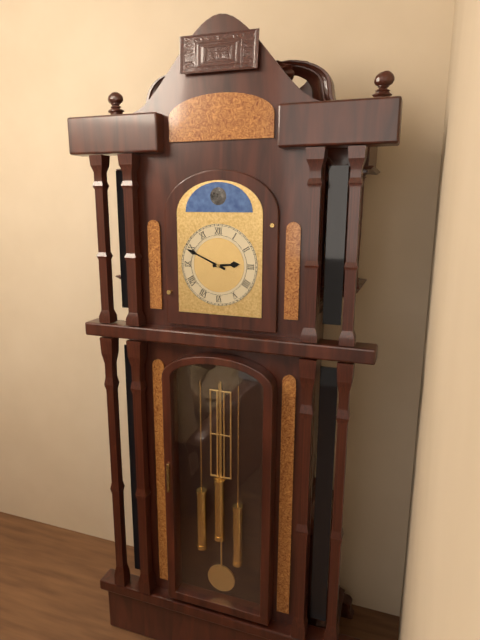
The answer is h=2 m=49
